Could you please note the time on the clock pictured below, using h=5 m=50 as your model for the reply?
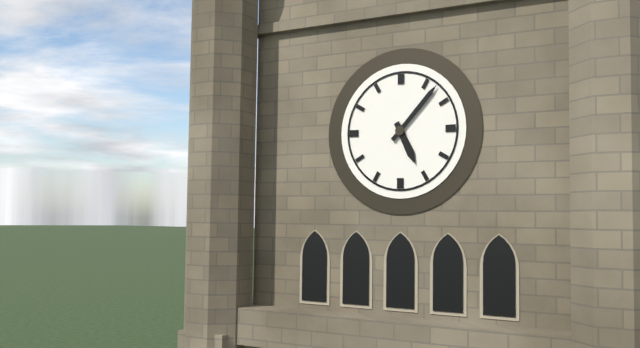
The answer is h=5 m=7
